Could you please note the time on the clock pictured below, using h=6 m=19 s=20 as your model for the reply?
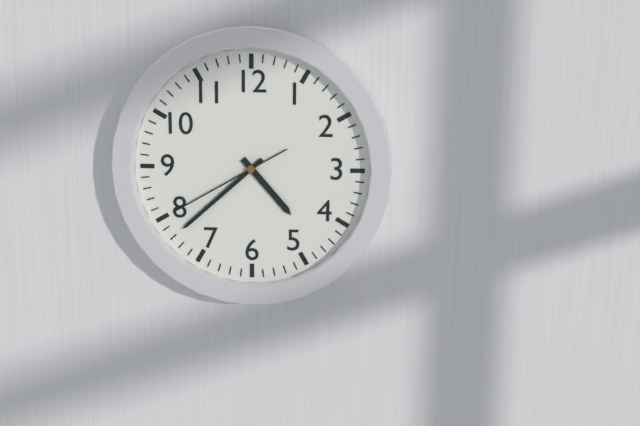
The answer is h=4 m=38 s=40
